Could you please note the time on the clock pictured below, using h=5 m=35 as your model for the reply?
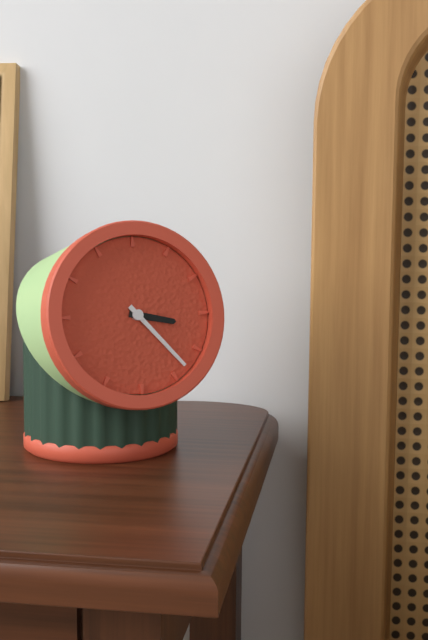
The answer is h=3 m=23
